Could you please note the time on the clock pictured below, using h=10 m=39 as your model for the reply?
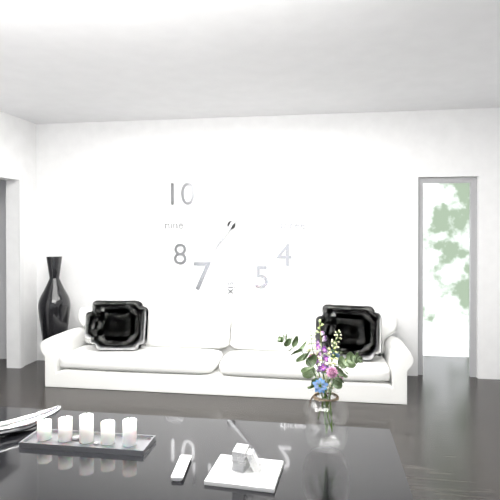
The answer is h=7 m=7
